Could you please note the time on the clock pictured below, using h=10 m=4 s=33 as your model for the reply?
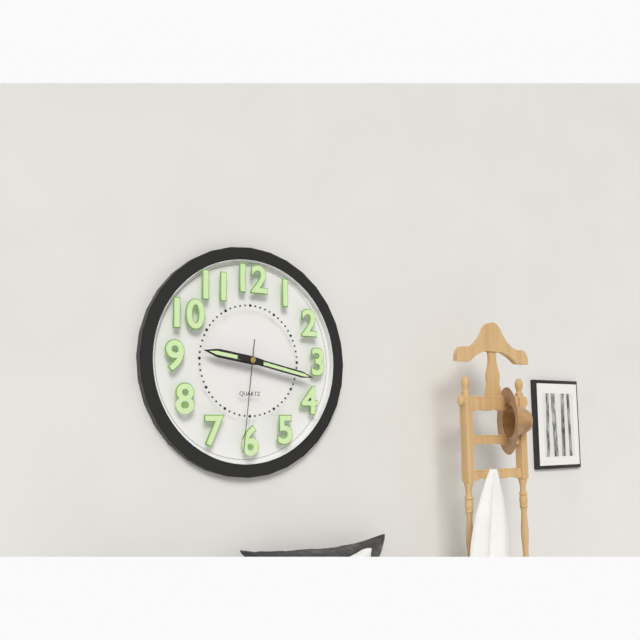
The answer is h=9 m=17 s=31
